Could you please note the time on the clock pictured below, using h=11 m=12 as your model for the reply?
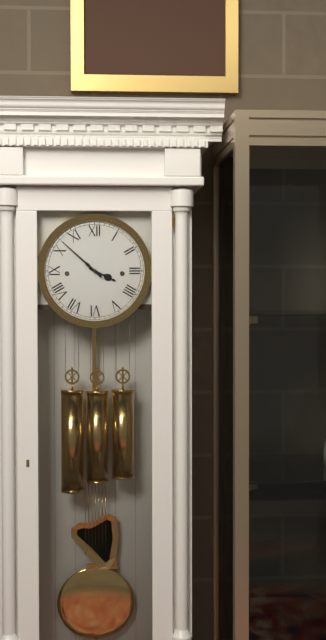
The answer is h=3 m=52
